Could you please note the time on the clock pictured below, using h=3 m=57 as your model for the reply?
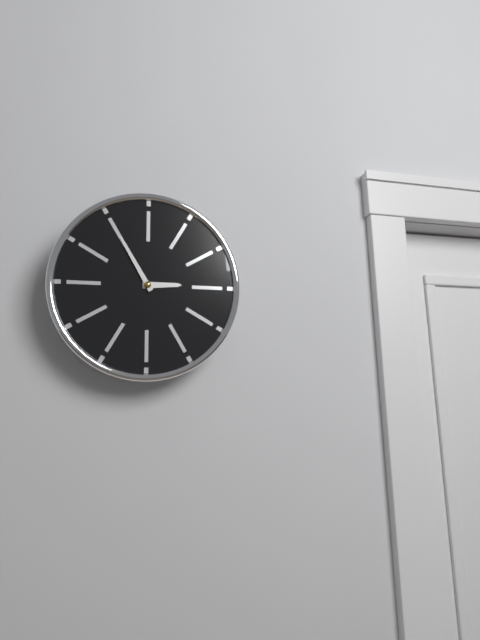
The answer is h=2 m=55
